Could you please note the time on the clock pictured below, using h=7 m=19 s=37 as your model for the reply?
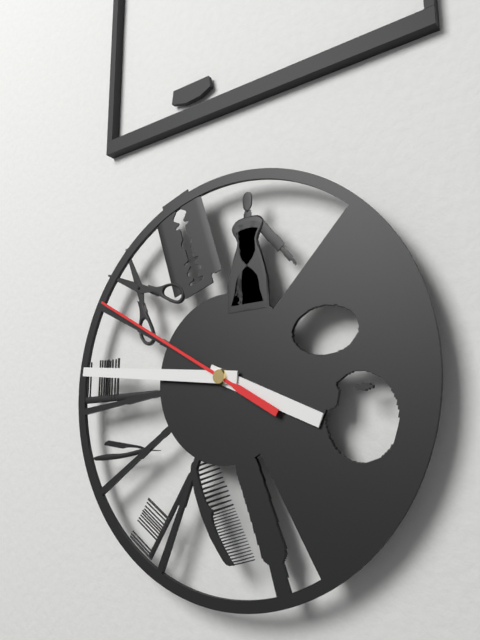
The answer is h=3 m=46 s=50
